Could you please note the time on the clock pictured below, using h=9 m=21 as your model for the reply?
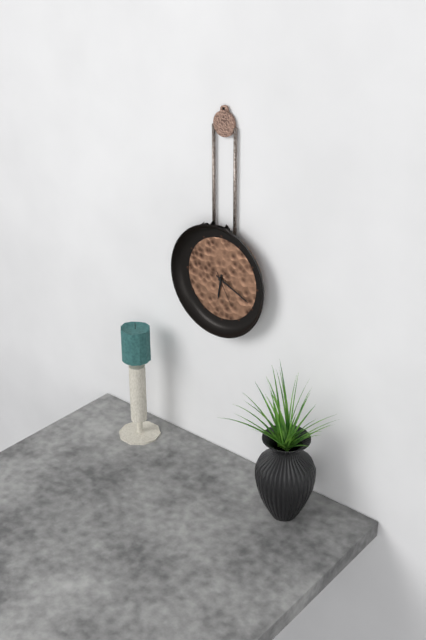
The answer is h=6 m=19
